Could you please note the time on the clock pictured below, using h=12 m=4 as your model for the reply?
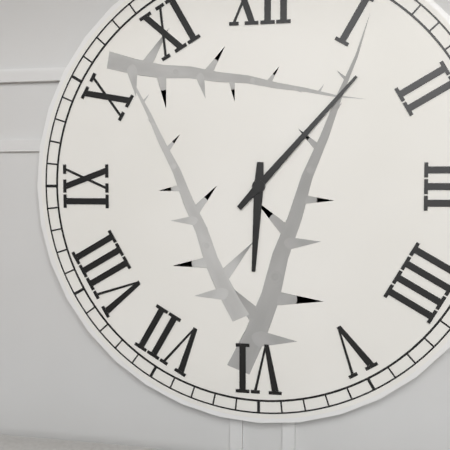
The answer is h=6 m=7
